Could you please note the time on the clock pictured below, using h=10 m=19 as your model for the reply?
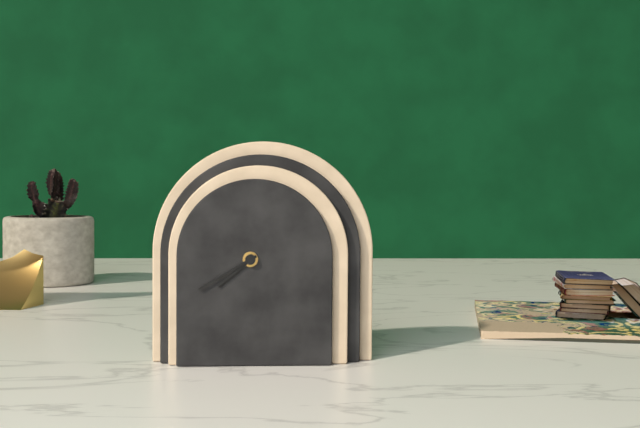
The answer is h=7 m=40
